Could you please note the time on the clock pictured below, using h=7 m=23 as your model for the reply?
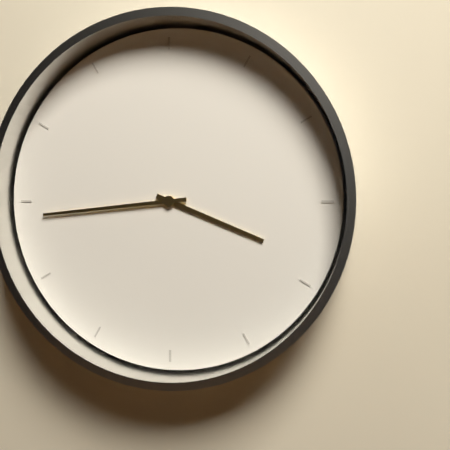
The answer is h=3 m=44
